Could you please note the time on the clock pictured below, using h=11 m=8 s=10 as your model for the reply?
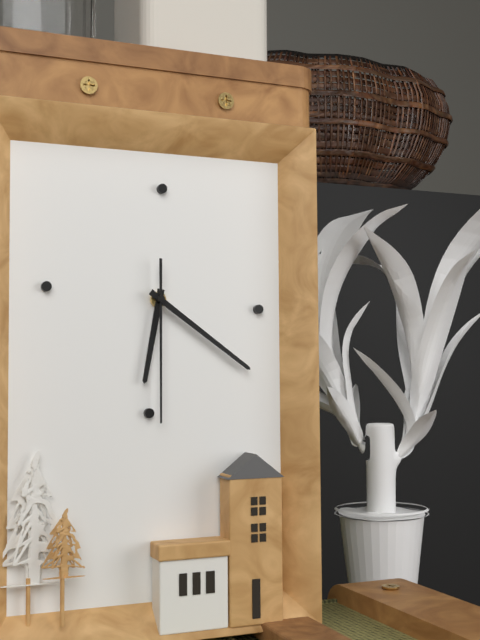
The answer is h=6 m=21 s=30
